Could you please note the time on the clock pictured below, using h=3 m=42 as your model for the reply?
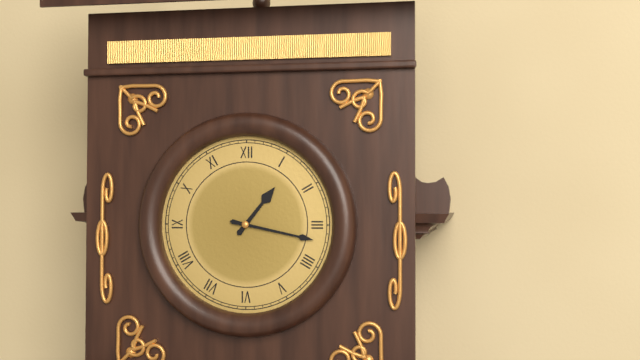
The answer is h=1 m=17
